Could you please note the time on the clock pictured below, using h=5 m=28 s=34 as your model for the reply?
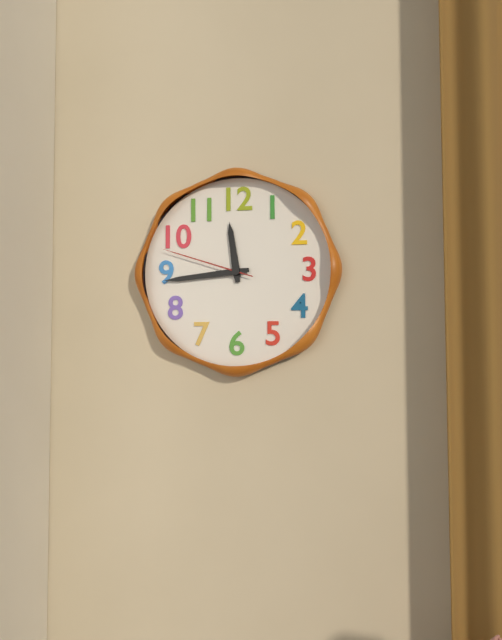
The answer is h=11 m=44 s=48
